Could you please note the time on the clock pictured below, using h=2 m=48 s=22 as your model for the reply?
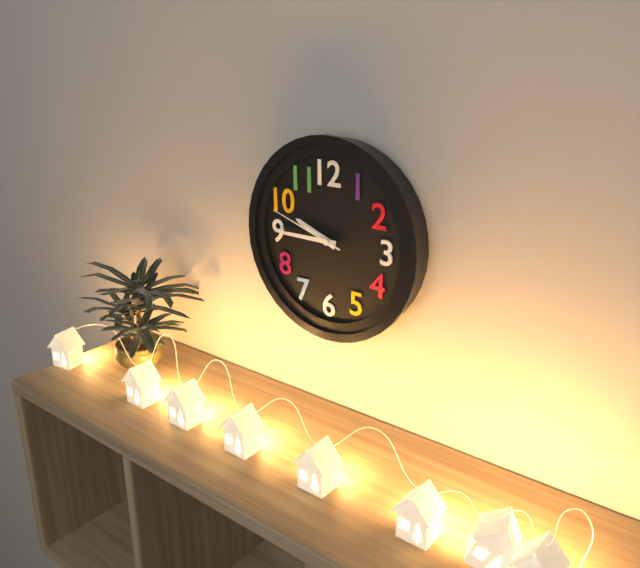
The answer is h=9 m=45 s=48
